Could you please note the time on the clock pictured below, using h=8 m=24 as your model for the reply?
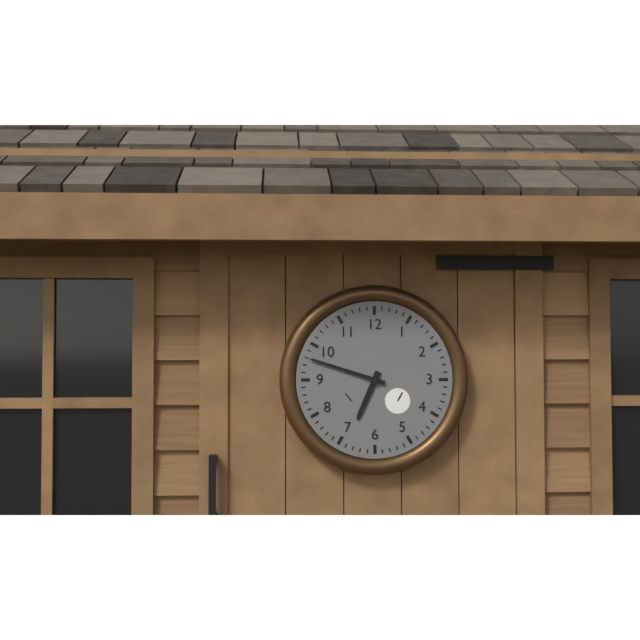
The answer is h=6 m=48
